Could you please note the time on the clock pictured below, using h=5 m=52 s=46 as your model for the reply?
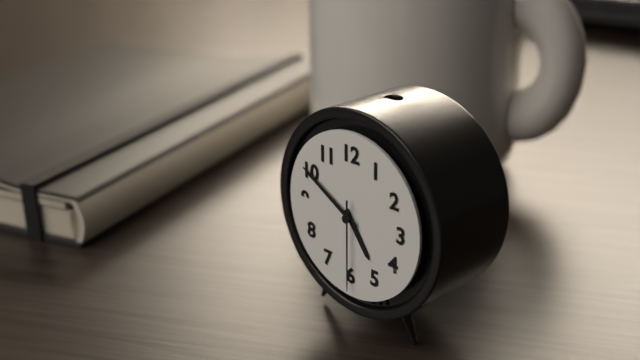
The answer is h=4 m=50 s=30
